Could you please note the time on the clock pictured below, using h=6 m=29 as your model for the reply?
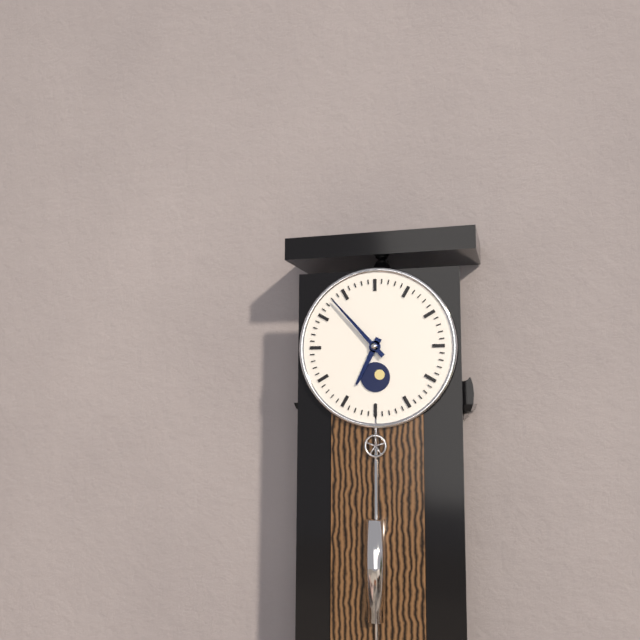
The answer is h=6 m=53
